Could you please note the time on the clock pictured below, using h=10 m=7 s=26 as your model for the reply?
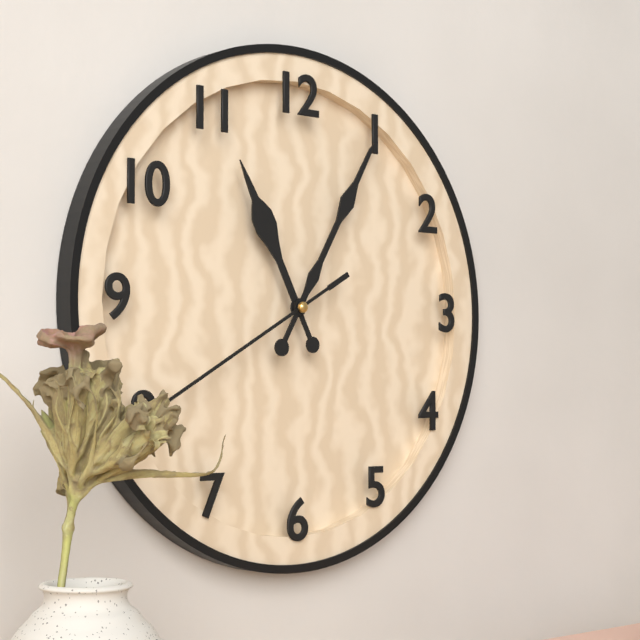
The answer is h=11 m=5 s=40
